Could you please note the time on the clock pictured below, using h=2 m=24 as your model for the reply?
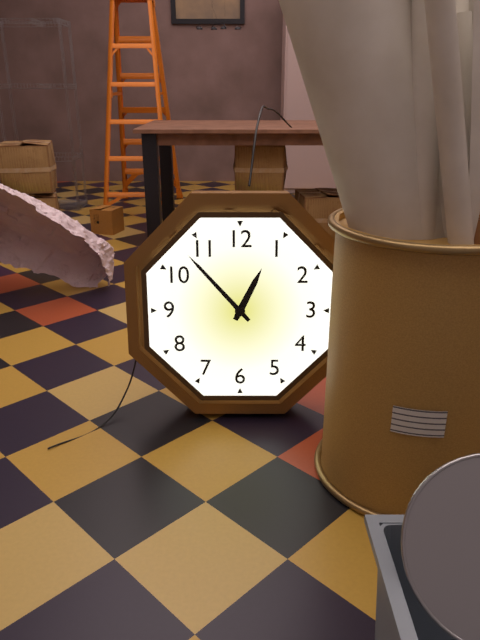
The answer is h=12 m=53
